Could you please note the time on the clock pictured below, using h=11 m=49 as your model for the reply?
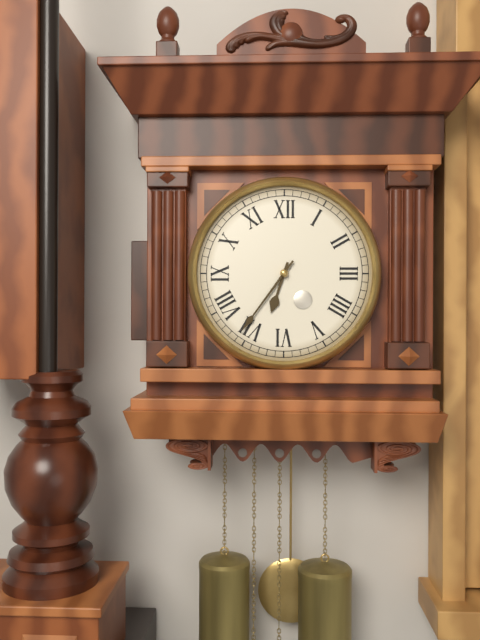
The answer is h=6 m=36
